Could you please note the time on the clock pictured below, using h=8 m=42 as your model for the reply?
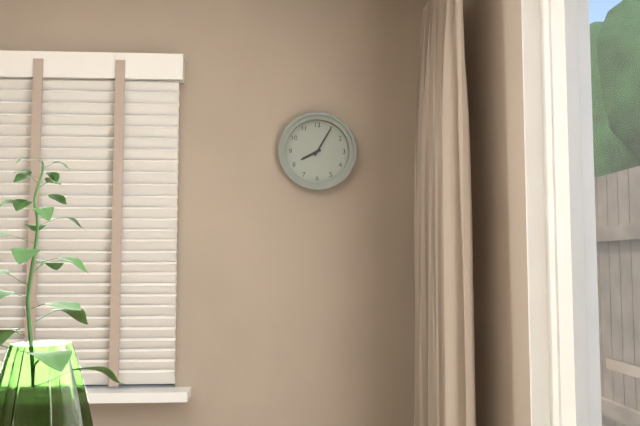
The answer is h=8 m=5
